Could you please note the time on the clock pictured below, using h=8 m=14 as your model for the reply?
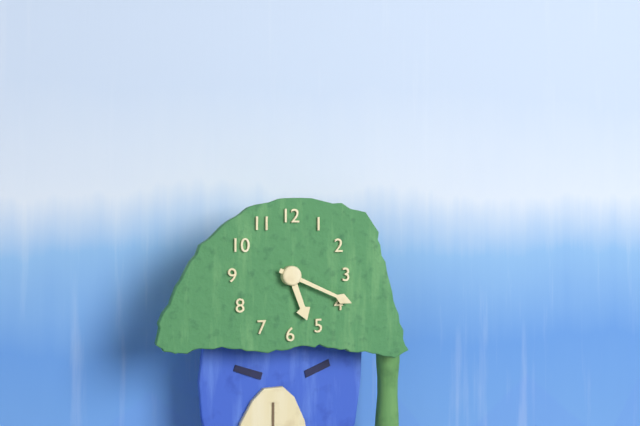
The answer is h=5 m=19
